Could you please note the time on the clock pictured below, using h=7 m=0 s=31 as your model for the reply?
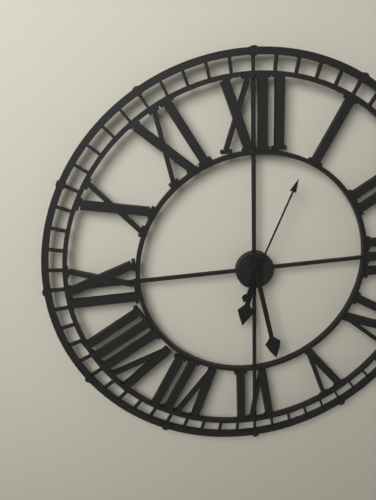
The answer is h=6 m=28 s=4
